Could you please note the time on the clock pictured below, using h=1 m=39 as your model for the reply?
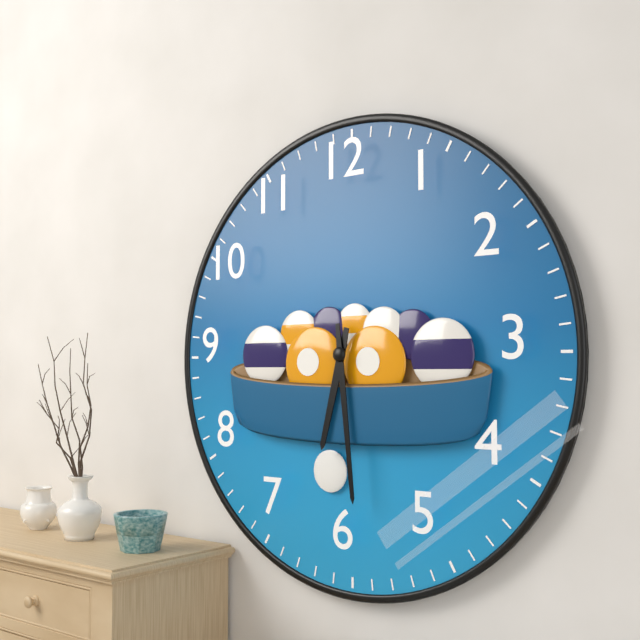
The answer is h=6 m=29
